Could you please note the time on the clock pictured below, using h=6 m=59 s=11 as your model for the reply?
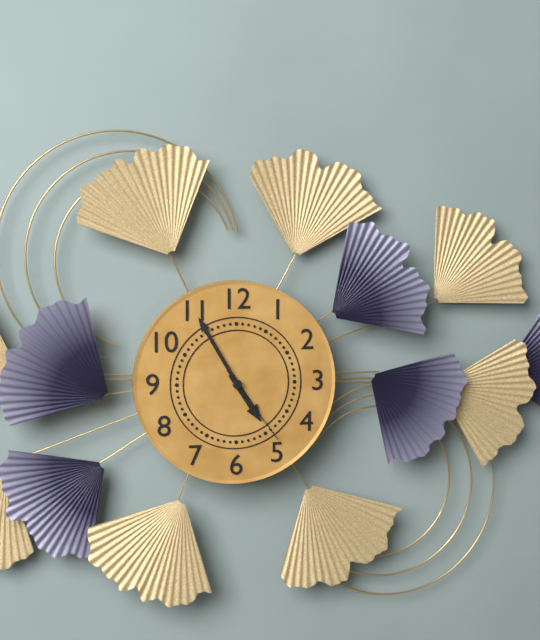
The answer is h=4 m=55 s=24
